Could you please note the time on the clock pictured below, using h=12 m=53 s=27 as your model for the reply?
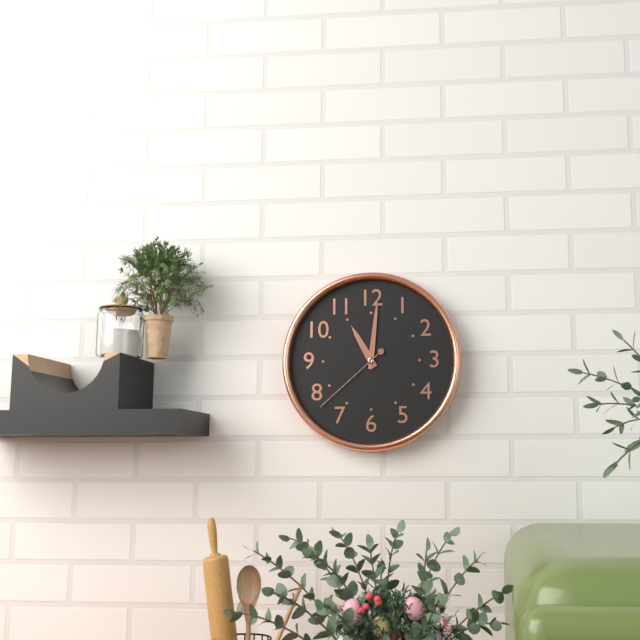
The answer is h=11 m=1 s=38
